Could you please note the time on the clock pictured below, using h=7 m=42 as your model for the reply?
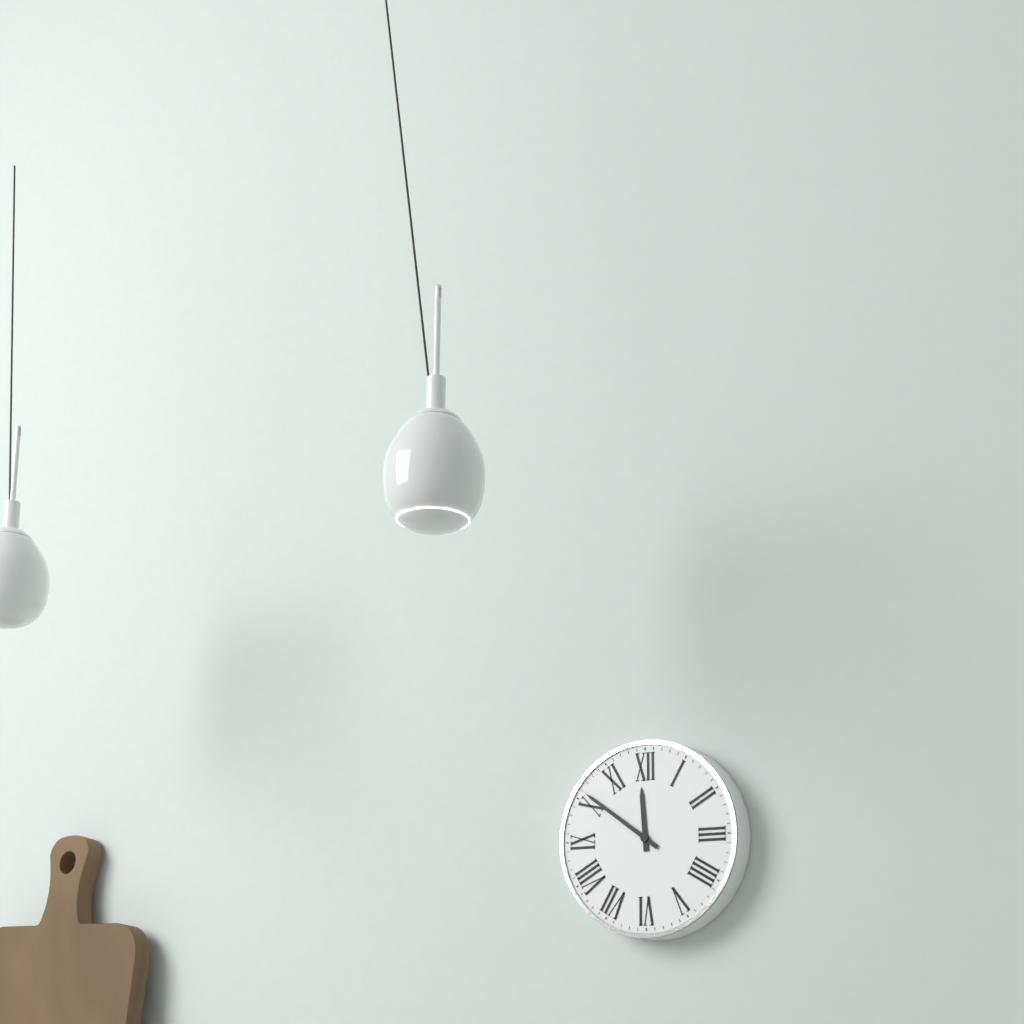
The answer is h=11 m=51
